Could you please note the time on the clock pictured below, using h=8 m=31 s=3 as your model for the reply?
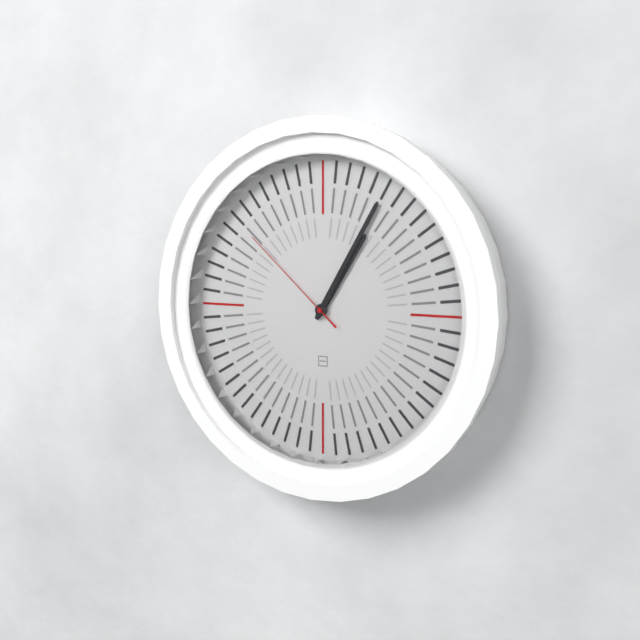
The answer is h=1 m=5 s=52
